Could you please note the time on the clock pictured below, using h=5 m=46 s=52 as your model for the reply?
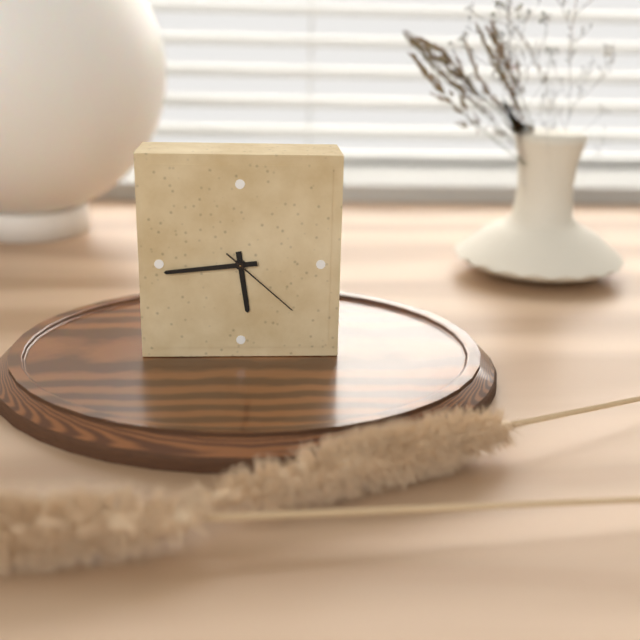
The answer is h=5 m=44 s=22
